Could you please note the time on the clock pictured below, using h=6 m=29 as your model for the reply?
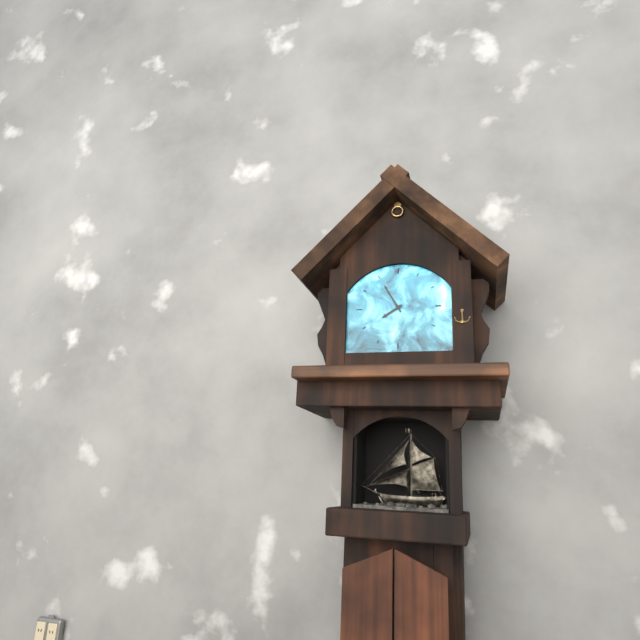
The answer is h=7 m=55
